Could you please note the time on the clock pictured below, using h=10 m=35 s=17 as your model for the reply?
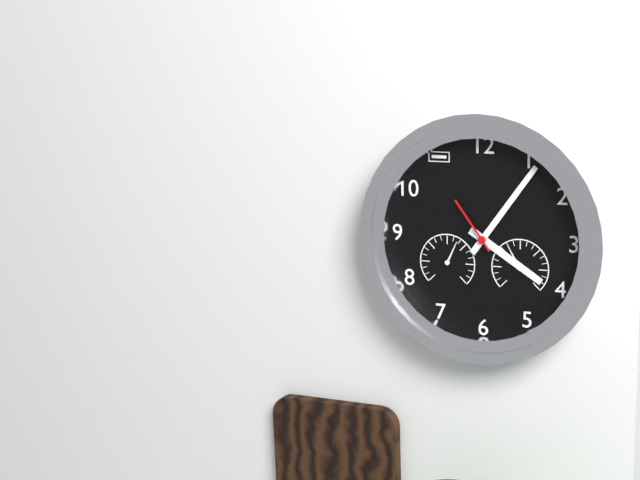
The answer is h=4 m=6 s=54
